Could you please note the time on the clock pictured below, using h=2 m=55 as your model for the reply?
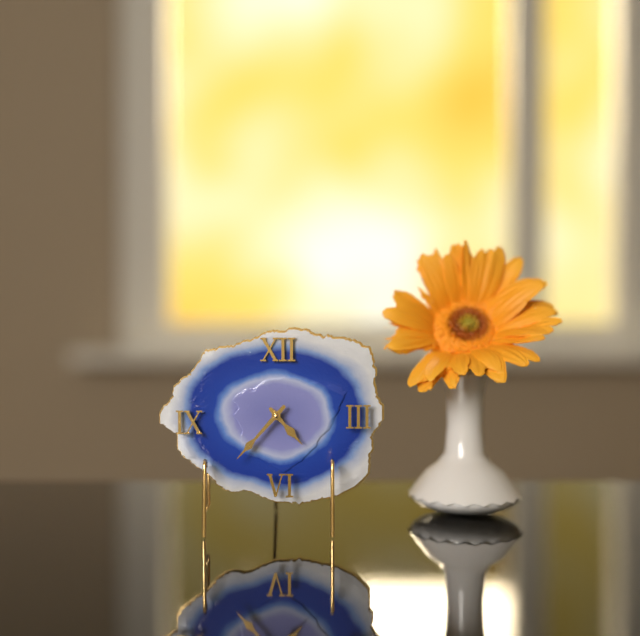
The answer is h=4 m=37
